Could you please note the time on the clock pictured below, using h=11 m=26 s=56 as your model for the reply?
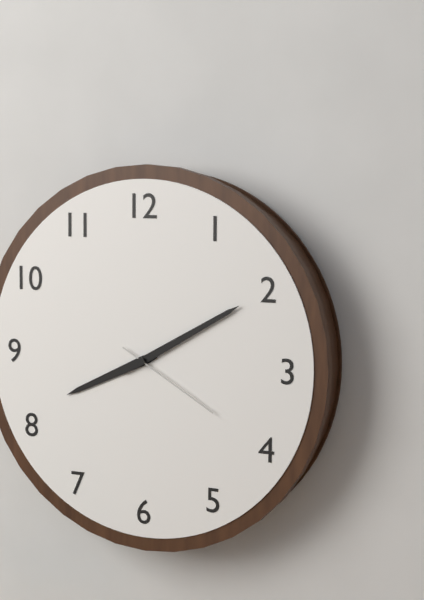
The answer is h=8 m=10 s=20
